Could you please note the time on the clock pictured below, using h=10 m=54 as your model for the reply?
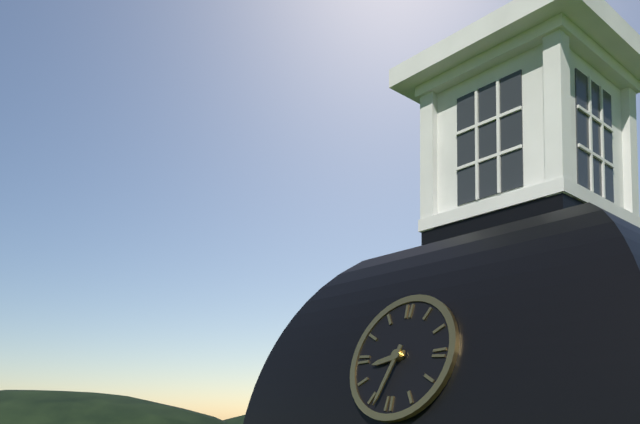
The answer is h=8 m=33
